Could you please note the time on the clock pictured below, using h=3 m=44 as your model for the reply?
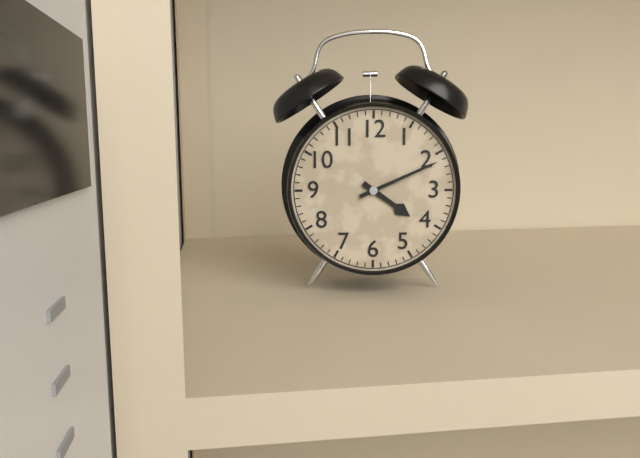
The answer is h=4 m=11
